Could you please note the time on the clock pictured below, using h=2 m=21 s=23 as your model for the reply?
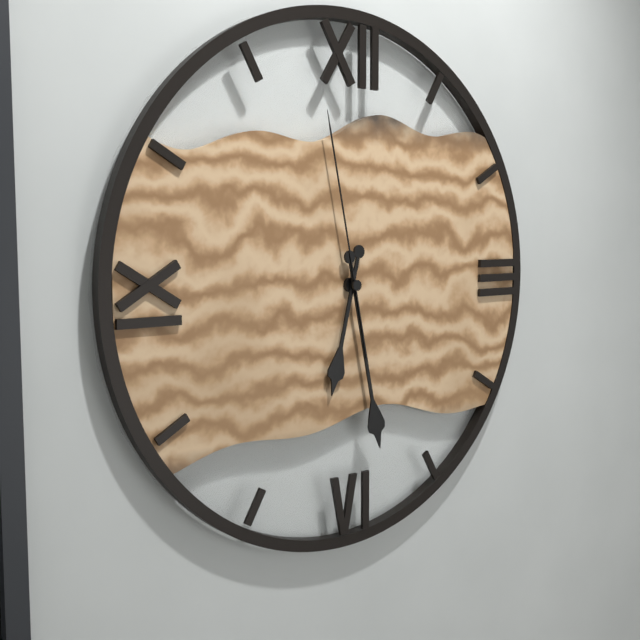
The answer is h=6 m=28 s=58
